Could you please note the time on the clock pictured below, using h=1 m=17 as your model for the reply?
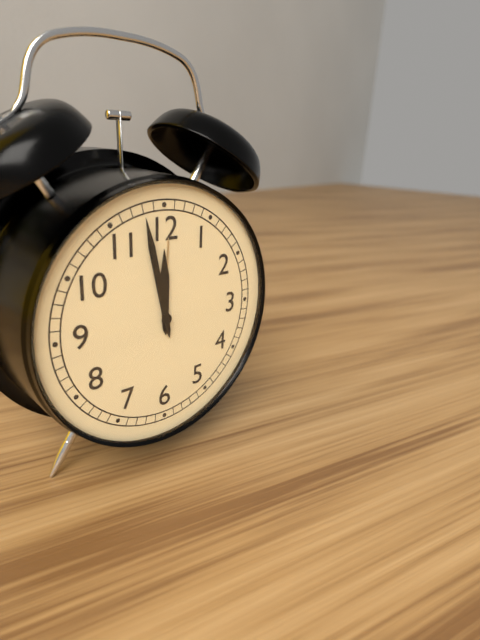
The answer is h=11 m=58
